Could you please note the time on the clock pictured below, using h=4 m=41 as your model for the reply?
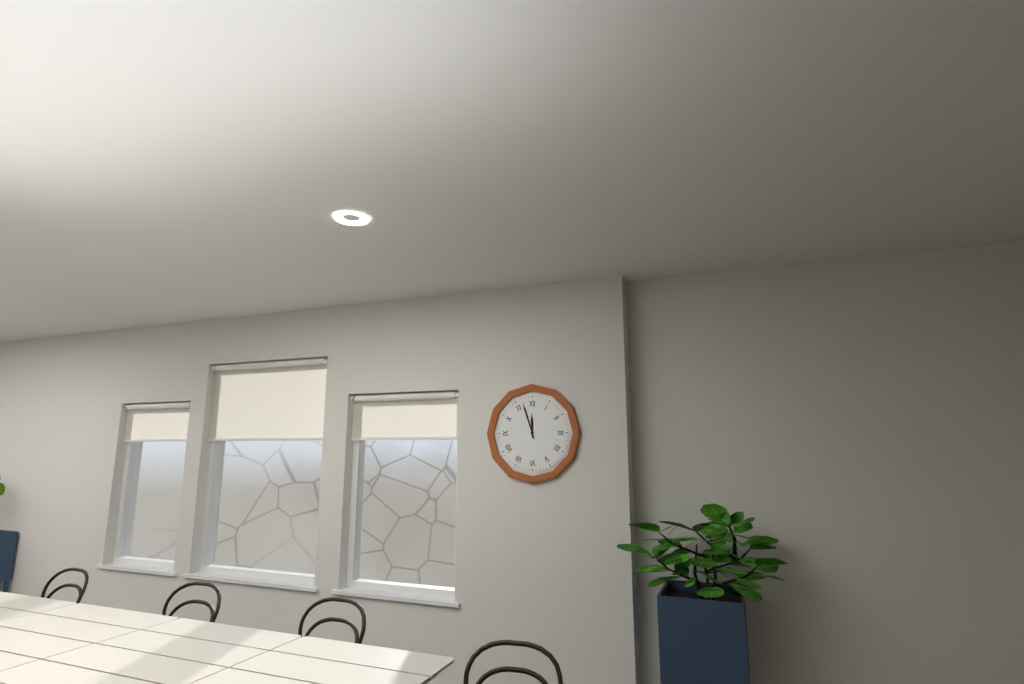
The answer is h=11 m=57
